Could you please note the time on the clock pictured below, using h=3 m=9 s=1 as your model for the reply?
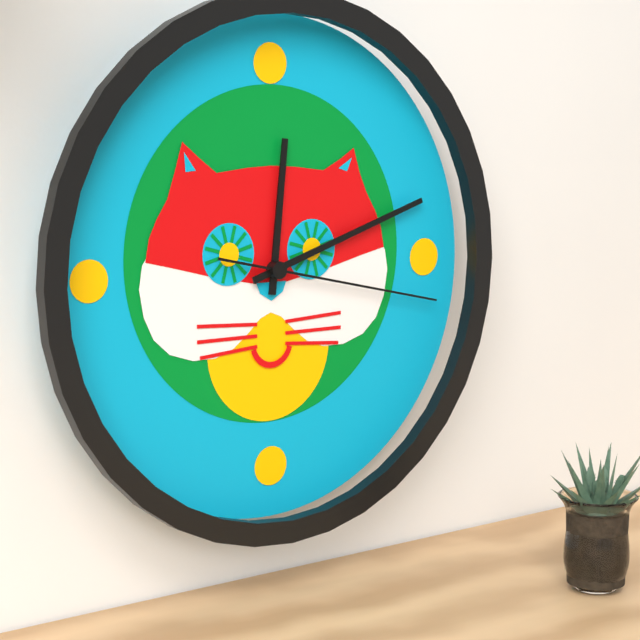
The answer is h=12 m=12 s=17
